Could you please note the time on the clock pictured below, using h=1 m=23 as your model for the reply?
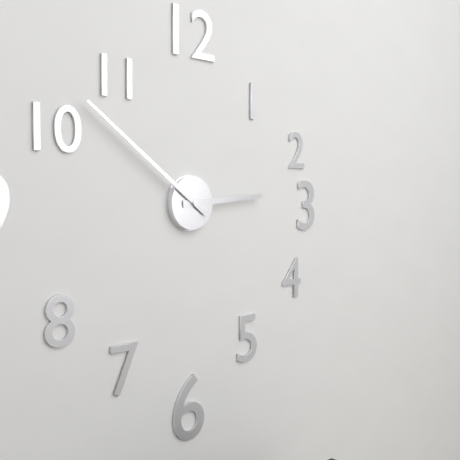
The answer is h=2 m=51
